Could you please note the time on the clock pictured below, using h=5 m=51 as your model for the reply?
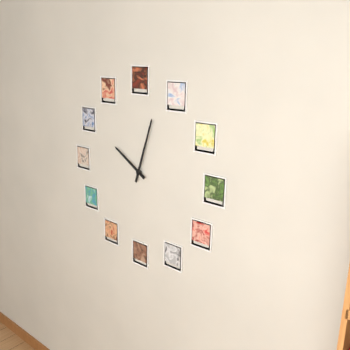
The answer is h=10 m=3
